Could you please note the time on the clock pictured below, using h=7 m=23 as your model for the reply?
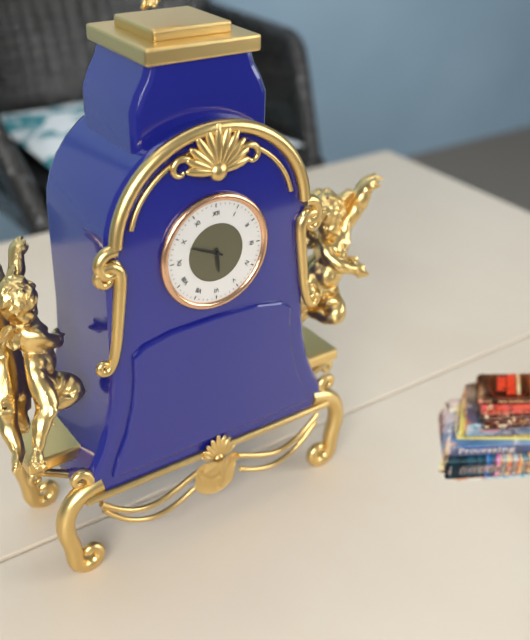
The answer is h=5 m=49
